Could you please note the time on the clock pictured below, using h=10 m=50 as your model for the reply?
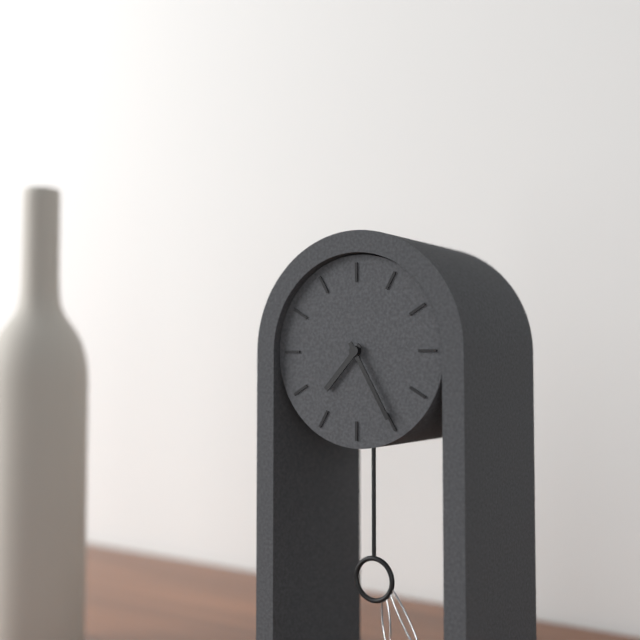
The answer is h=7 m=25
